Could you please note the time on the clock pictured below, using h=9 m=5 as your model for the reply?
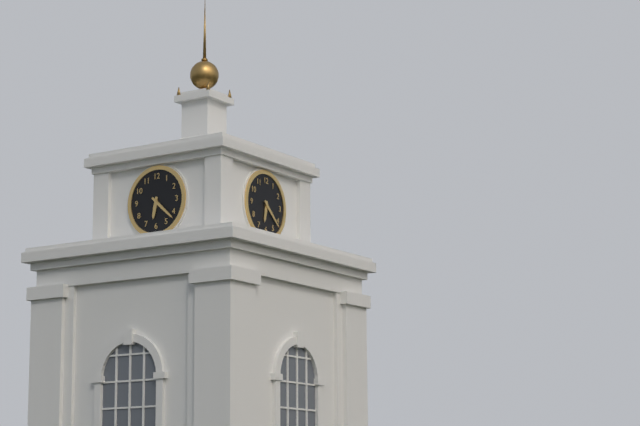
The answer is h=6 m=22
